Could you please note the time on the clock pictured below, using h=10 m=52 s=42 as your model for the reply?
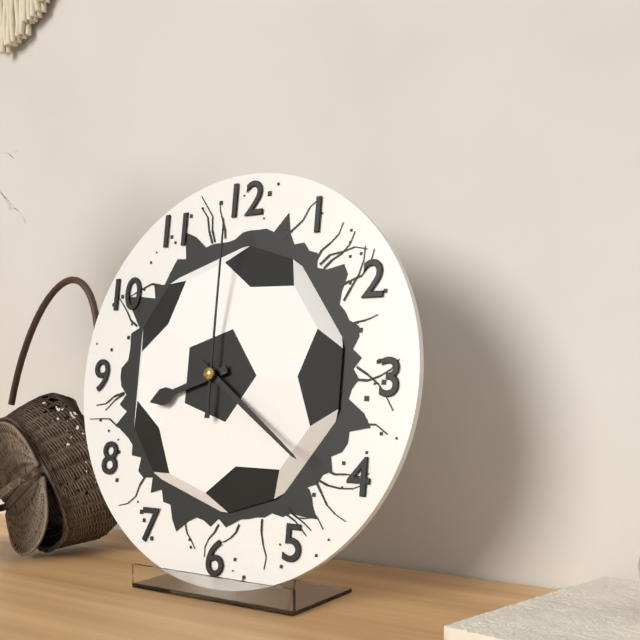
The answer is h=8 m=21 s=0
